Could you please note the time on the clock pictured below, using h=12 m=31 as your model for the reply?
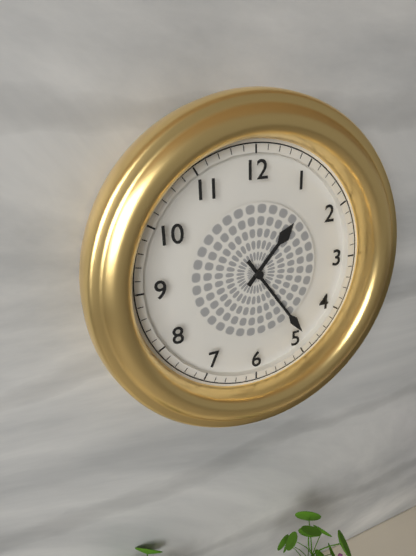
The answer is h=1 m=24
